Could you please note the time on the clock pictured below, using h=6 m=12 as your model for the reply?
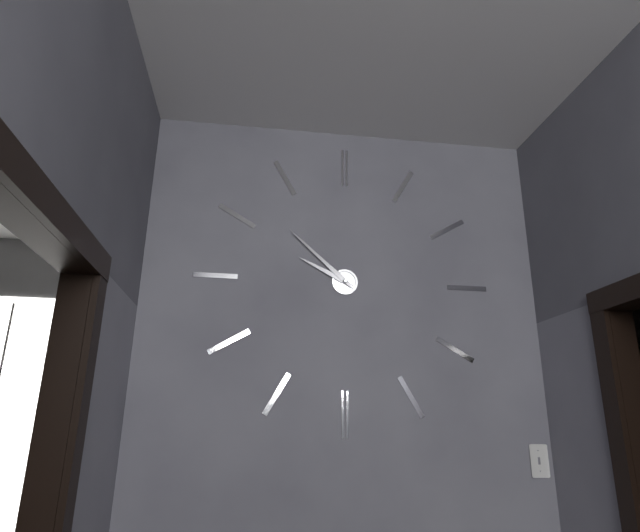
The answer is h=9 m=52
